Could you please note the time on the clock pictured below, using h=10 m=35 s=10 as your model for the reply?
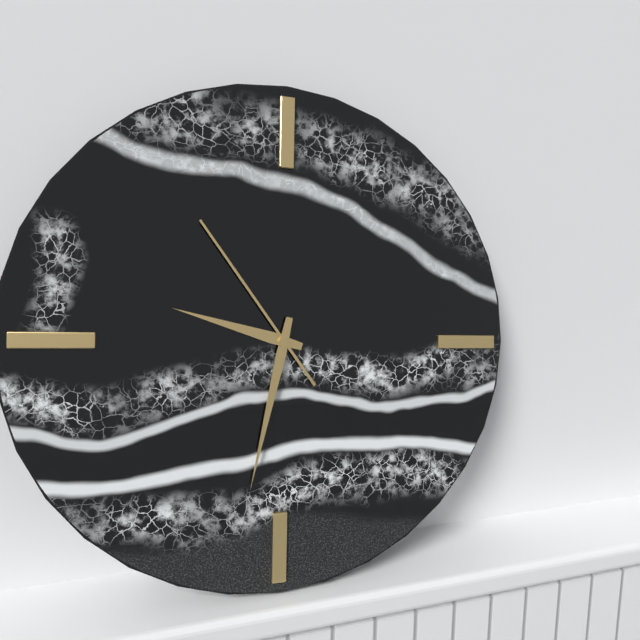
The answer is h=9 m=32 s=54
